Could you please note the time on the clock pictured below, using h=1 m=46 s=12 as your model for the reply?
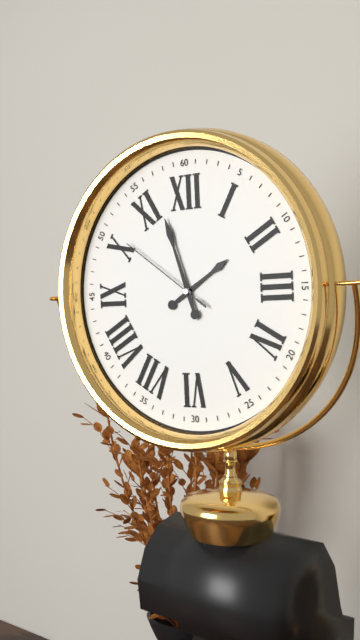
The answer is h=1 m=57 s=51
